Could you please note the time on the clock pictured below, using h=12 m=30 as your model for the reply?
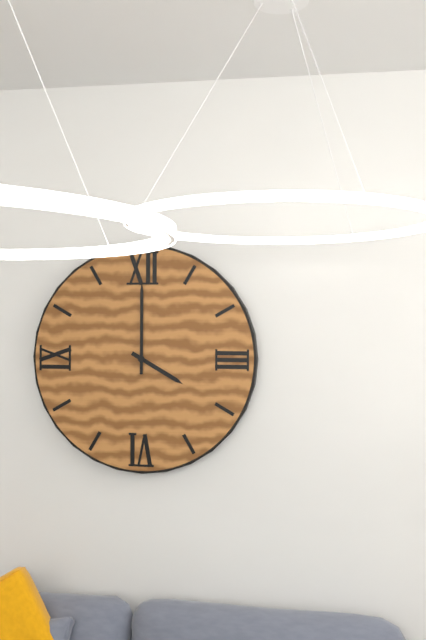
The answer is h=4 m=0
